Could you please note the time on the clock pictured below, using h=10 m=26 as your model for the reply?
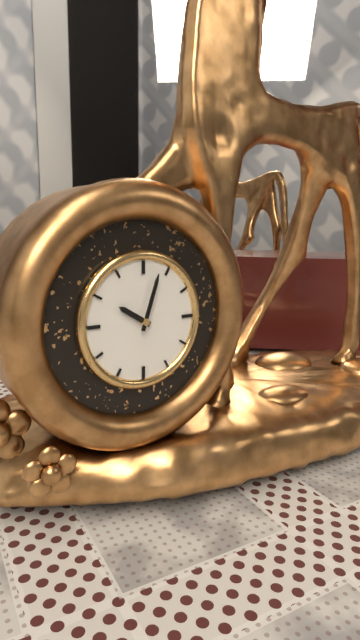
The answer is h=10 m=3
